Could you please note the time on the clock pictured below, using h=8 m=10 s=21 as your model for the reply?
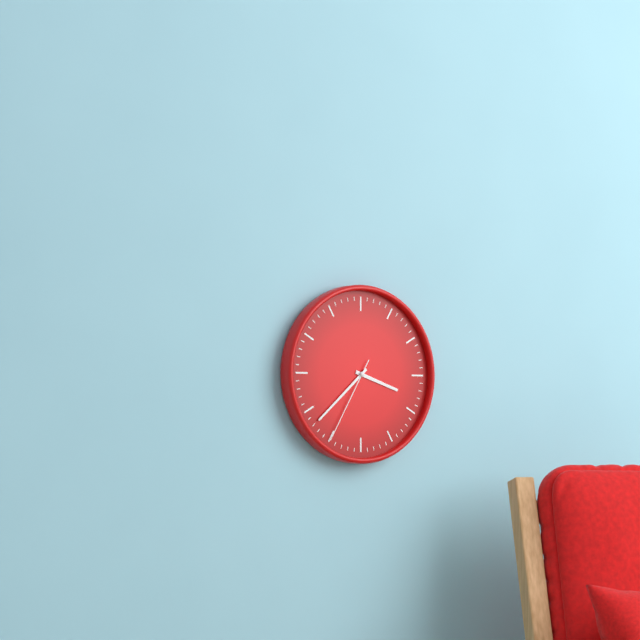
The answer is h=3 m=38 s=35
